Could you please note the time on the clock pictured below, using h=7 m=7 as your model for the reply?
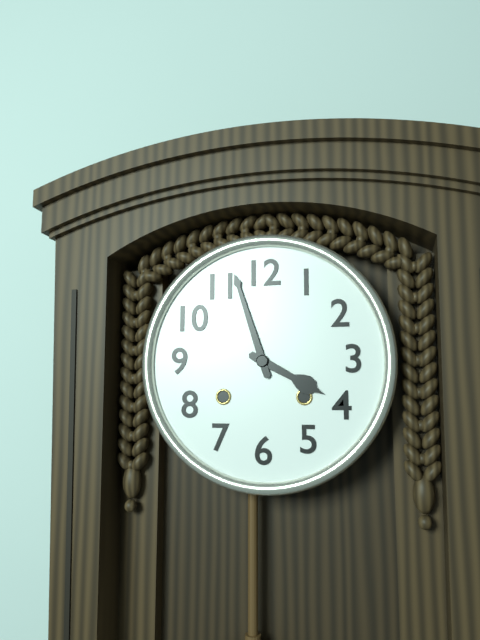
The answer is h=3 m=57
